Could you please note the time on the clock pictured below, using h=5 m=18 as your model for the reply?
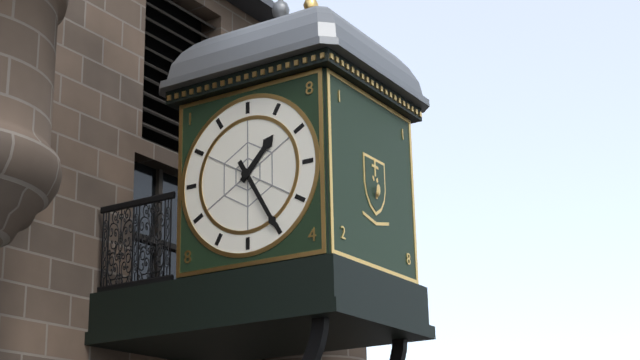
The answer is h=1 m=25
